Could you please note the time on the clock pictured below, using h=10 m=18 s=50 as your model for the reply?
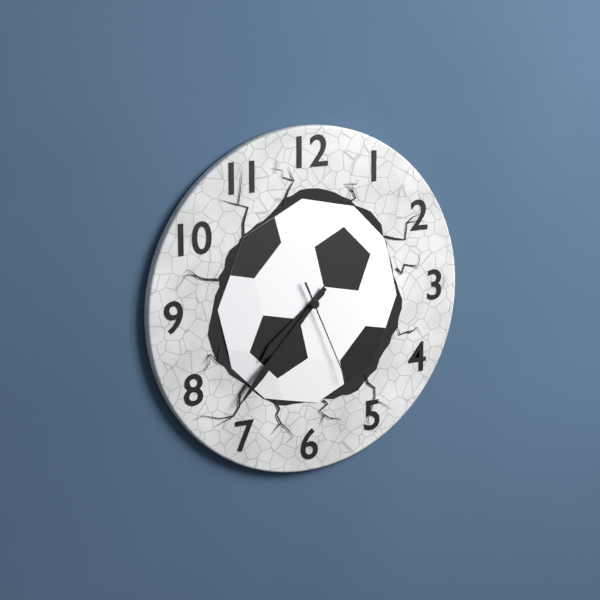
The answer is h=7 m=37 s=26
